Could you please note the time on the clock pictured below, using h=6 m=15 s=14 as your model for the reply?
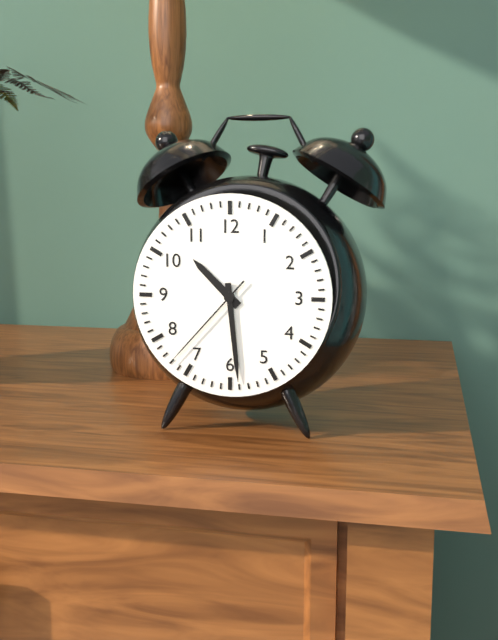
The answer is h=10 m=29 s=37
